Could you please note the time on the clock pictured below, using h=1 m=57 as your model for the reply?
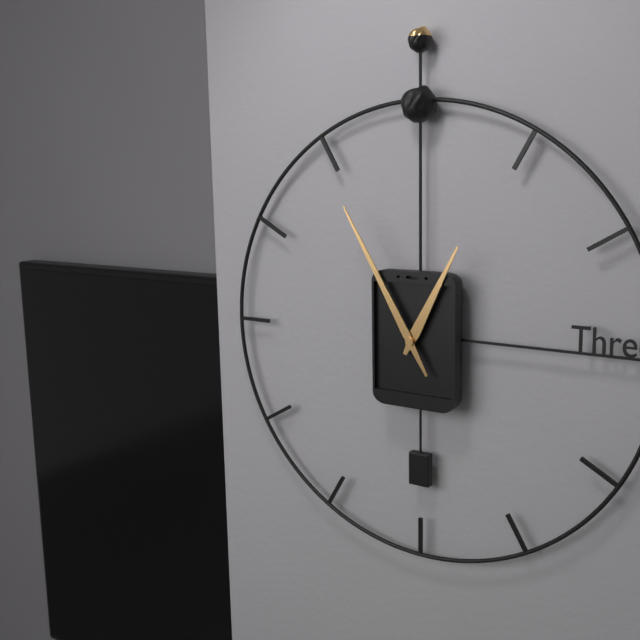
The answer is h=12 m=55
